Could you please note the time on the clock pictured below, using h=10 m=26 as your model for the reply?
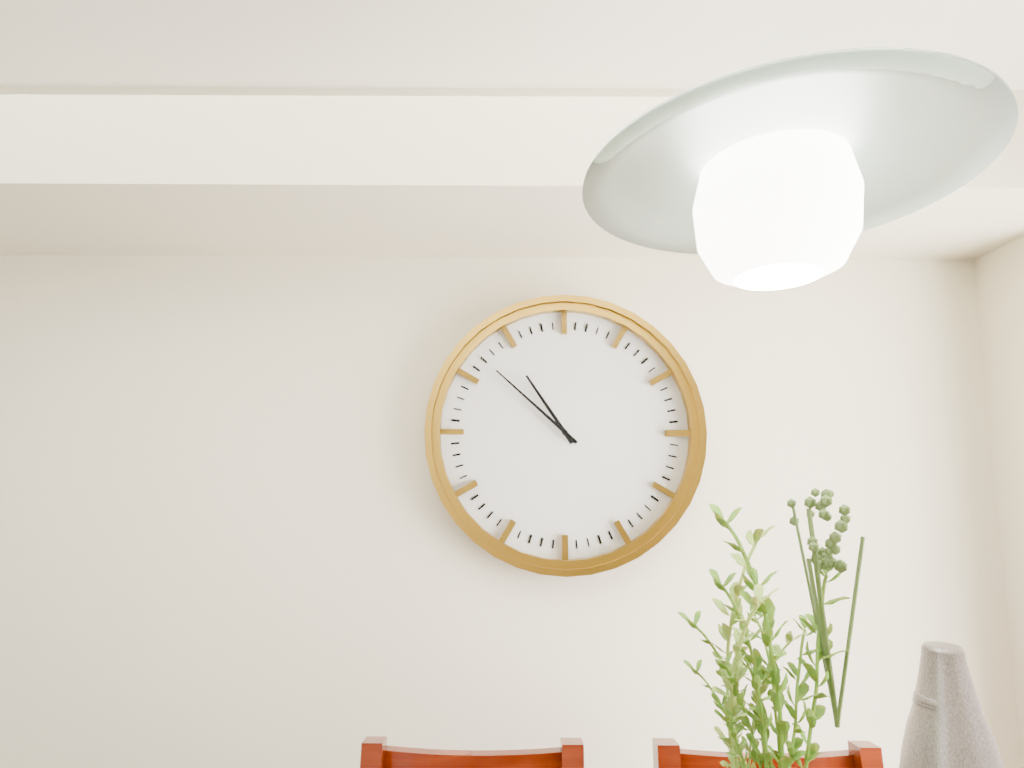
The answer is h=10 m=52
